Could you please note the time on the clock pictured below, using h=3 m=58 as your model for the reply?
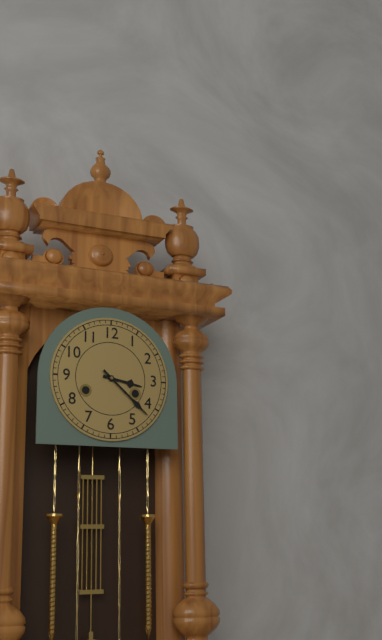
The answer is h=3 m=22
